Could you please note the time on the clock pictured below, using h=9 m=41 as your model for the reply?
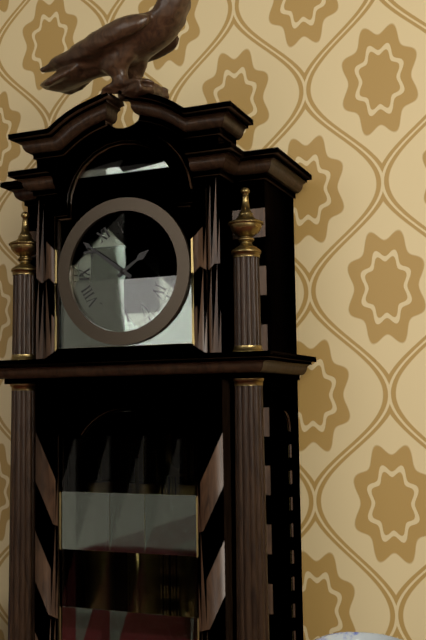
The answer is h=1 m=51
